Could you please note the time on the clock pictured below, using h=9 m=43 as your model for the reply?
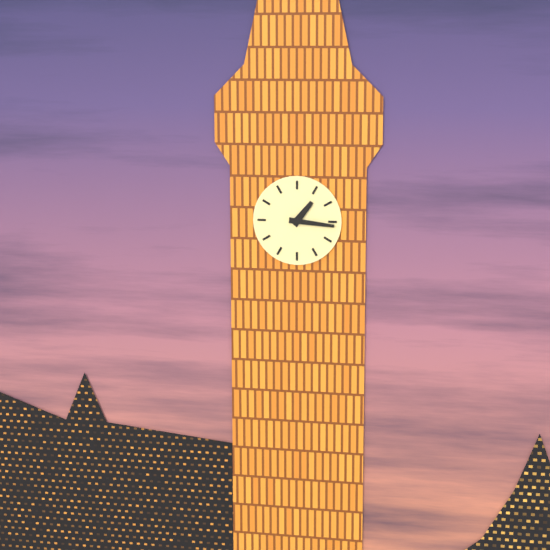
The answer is h=1 m=16
